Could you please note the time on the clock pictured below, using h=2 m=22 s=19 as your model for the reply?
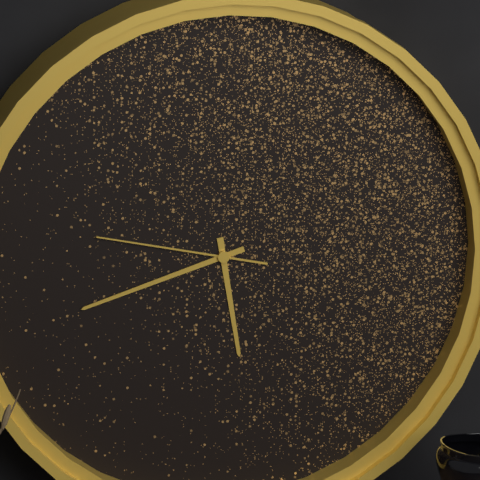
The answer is h=5 m=42 s=47
